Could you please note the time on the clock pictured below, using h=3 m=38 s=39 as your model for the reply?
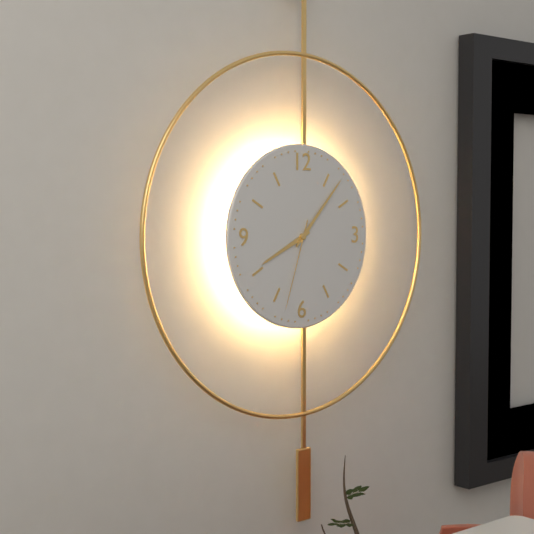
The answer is h=8 m=7 s=33
